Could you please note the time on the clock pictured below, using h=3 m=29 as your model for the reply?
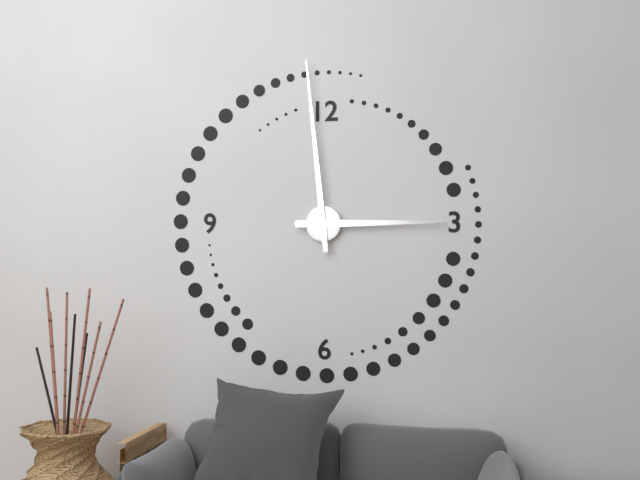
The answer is h=2 m=59
